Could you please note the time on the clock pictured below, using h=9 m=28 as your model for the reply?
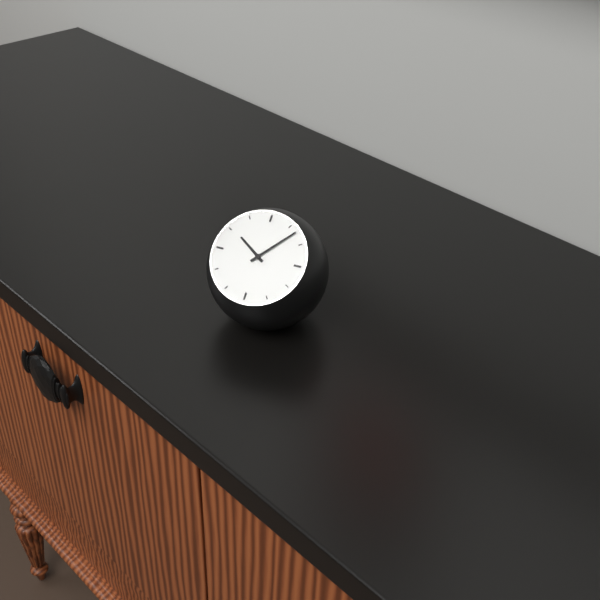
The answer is h=10 m=7
